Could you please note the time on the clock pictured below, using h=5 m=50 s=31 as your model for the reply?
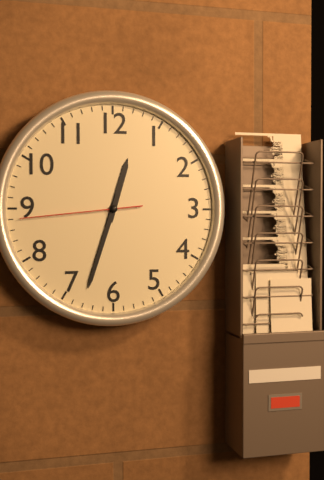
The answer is h=12 m=33 s=44
